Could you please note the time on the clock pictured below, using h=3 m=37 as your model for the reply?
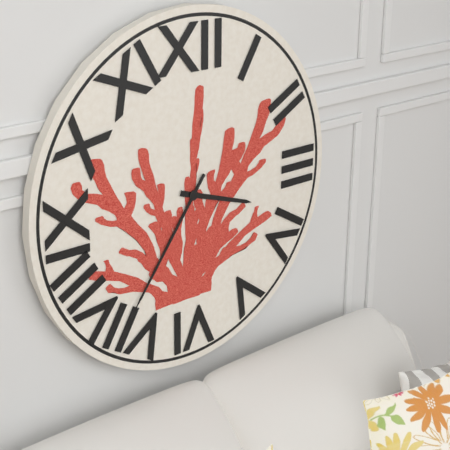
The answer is h=3 m=36
